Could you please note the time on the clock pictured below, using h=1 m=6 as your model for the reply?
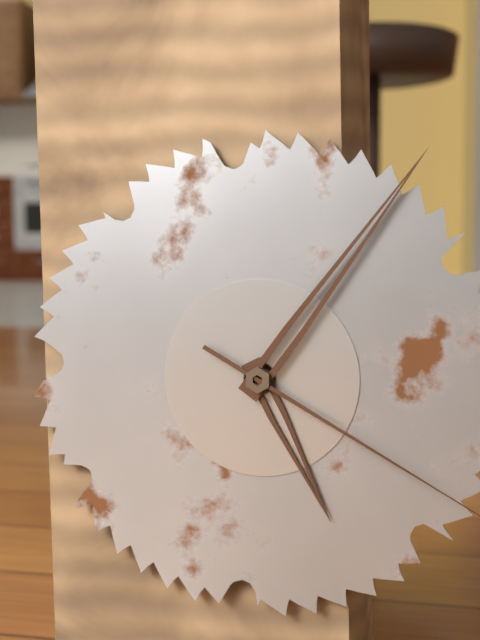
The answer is h=5 m=6
